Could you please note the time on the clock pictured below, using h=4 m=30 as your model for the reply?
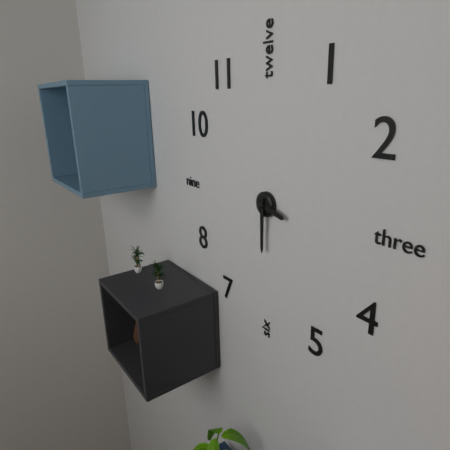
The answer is h=3 m=30
